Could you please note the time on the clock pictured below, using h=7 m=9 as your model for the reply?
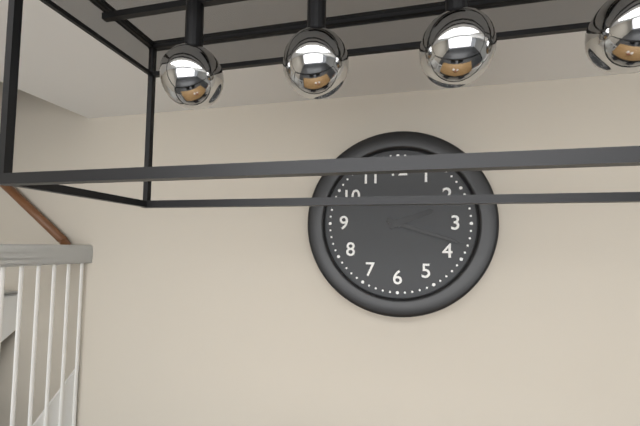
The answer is h=2 m=18
